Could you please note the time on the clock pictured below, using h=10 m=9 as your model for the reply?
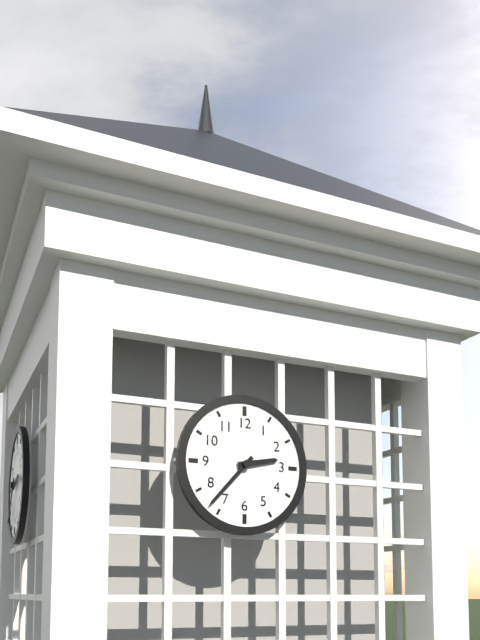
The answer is h=2 m=37
